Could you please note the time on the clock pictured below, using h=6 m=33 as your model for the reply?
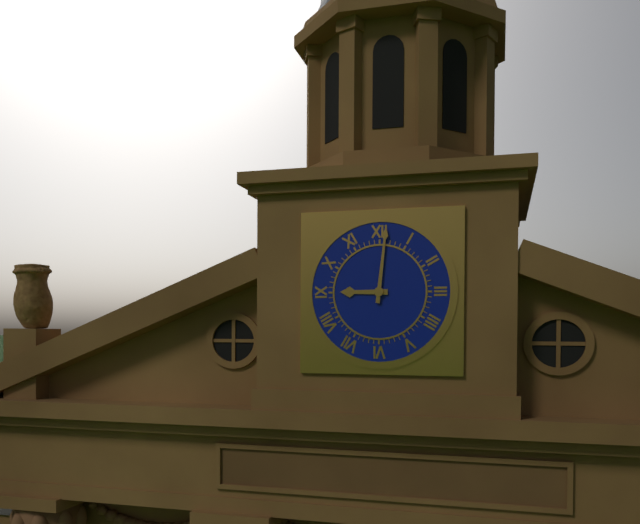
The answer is h=9 m=1
